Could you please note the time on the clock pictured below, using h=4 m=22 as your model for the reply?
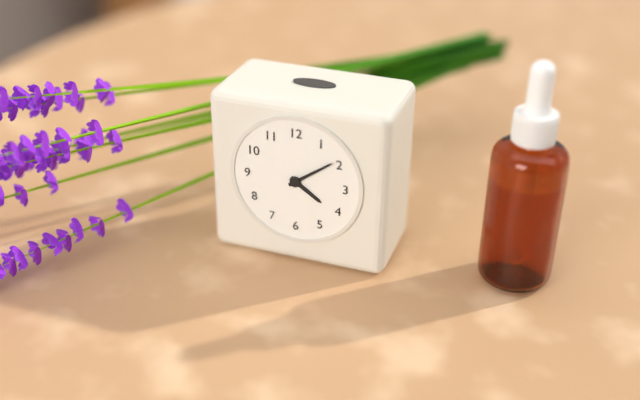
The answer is h=4 m=9
